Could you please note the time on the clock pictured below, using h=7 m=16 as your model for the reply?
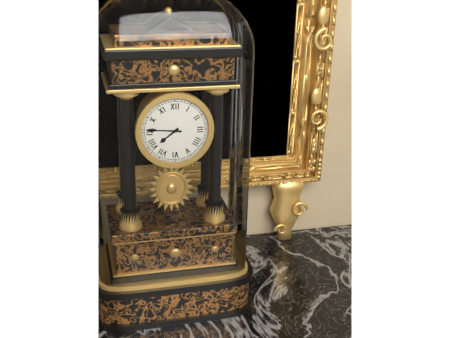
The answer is h=7 m=46
